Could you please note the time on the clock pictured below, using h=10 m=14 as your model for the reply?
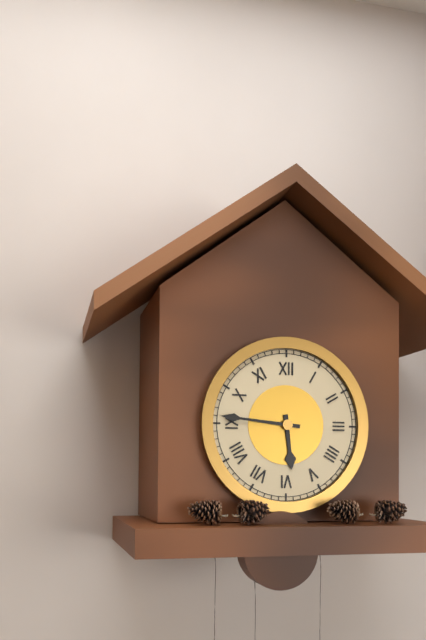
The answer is h=5 m=46
